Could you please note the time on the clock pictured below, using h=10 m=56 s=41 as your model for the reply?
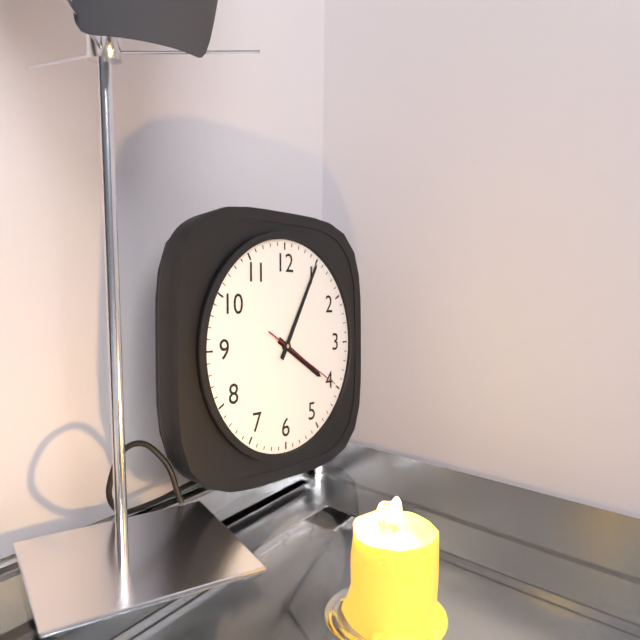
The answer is h=4 m=5 s=20
